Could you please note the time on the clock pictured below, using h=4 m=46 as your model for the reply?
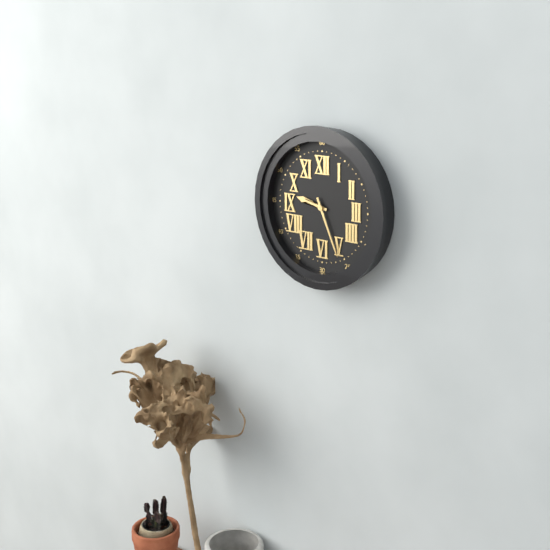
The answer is h=9 m=26
